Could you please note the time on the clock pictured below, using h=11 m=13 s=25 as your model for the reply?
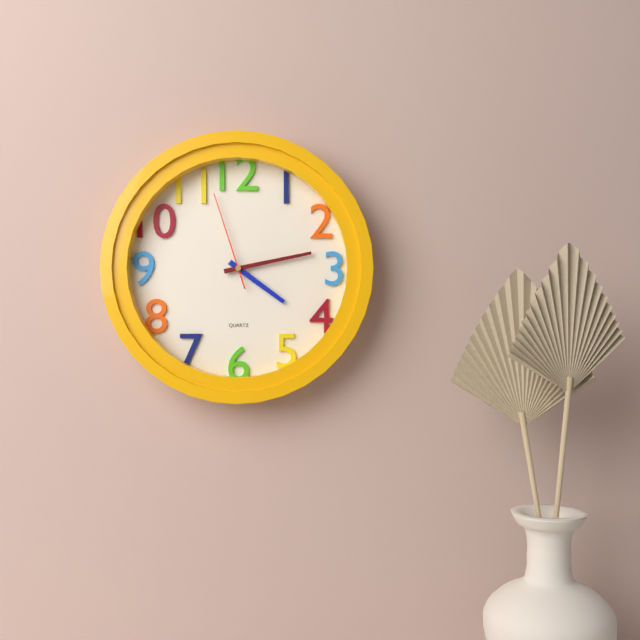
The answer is h=4 m=13 s=57
